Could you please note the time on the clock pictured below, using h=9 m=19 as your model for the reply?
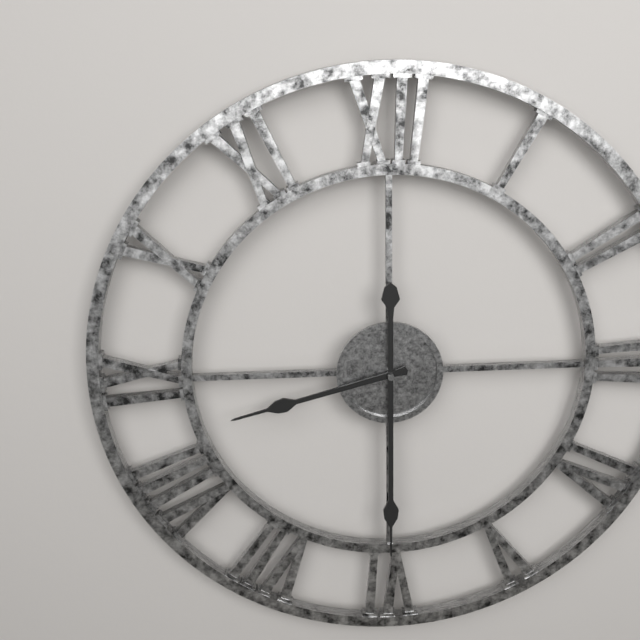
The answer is h=8 m=30
